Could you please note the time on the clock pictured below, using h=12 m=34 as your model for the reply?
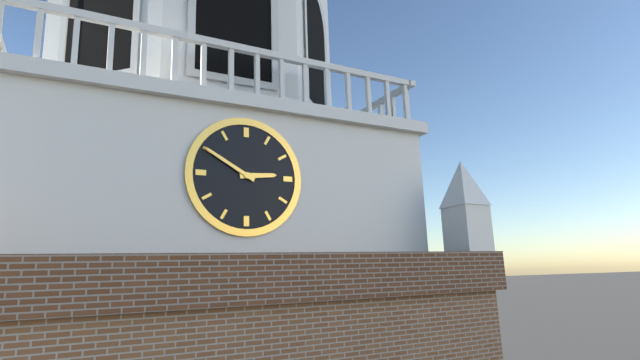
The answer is h=2 m=50
